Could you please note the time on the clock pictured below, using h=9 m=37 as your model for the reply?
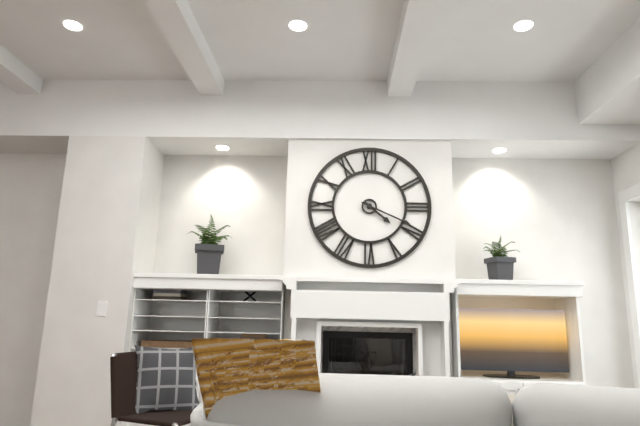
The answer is h=4 m=19
